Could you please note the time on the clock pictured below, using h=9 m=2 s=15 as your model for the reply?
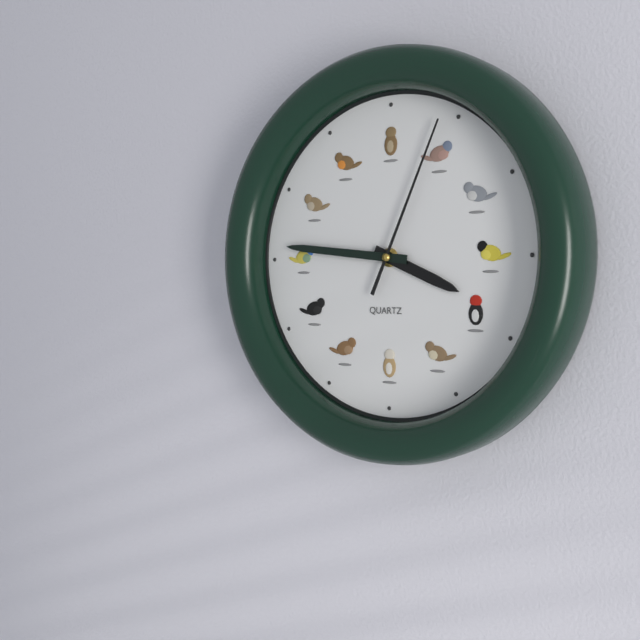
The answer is h=3 m=46 s=4
